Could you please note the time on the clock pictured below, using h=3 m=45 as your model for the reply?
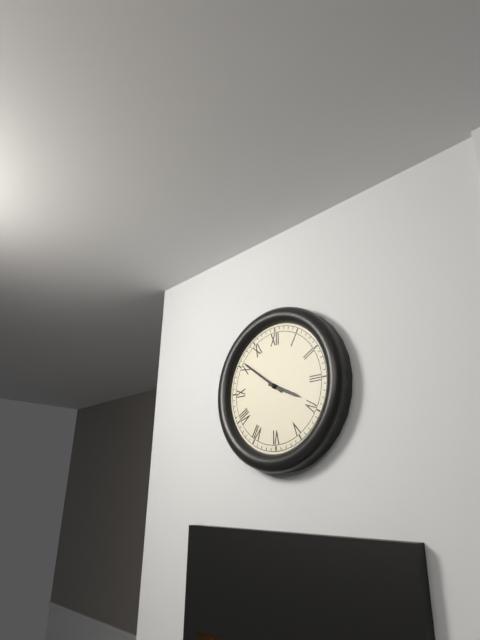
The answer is h=3 m=51
